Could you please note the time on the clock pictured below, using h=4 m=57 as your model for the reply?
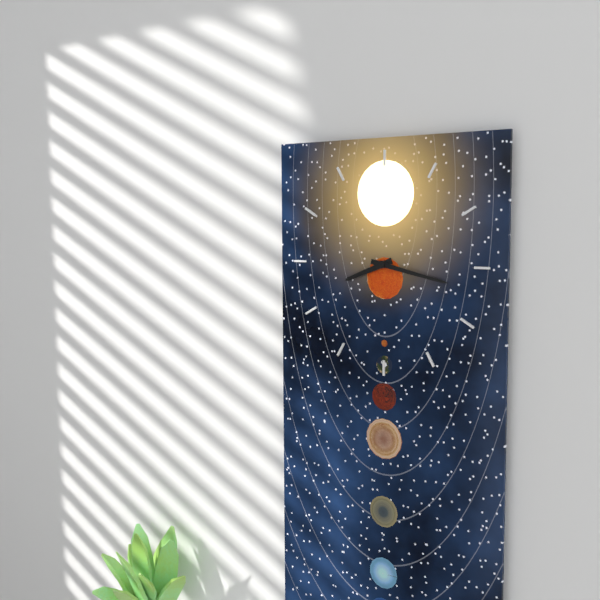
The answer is h=8 m=17
